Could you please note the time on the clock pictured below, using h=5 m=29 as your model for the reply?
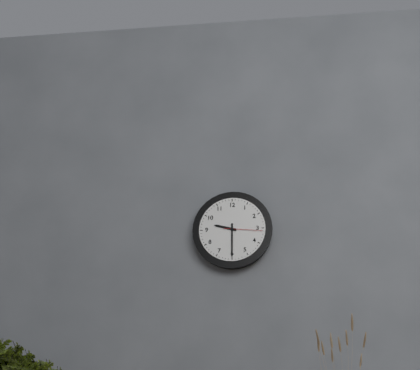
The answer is h=9 m=30
